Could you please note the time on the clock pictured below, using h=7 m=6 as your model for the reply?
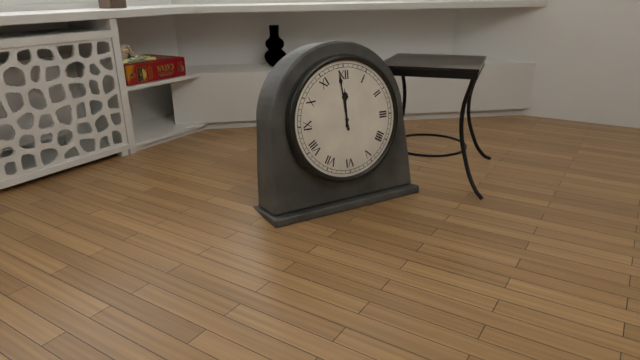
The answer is h=11 m=59
